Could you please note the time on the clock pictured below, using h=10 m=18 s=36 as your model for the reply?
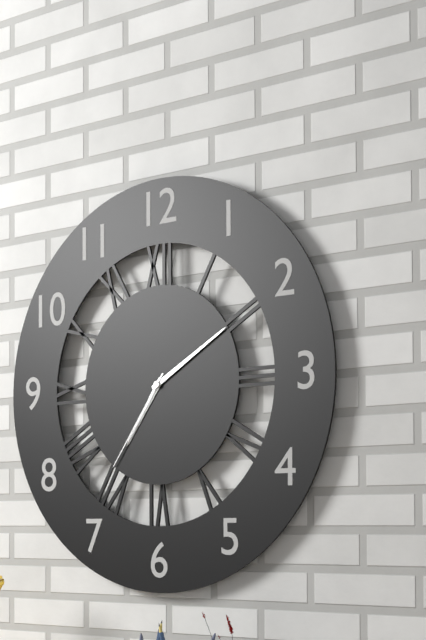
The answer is h=7 m=10 s=36
